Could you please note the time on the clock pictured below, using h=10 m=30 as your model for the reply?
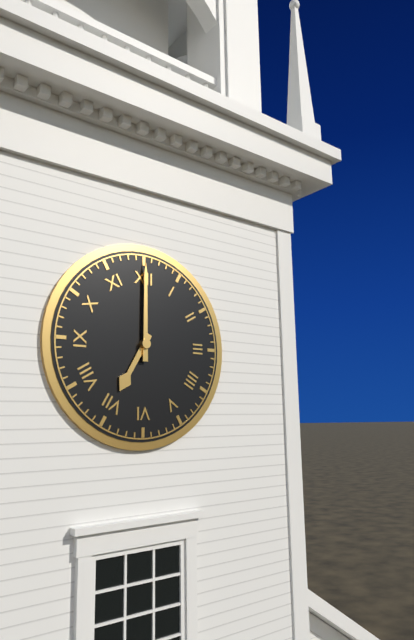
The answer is h=7 m=0
